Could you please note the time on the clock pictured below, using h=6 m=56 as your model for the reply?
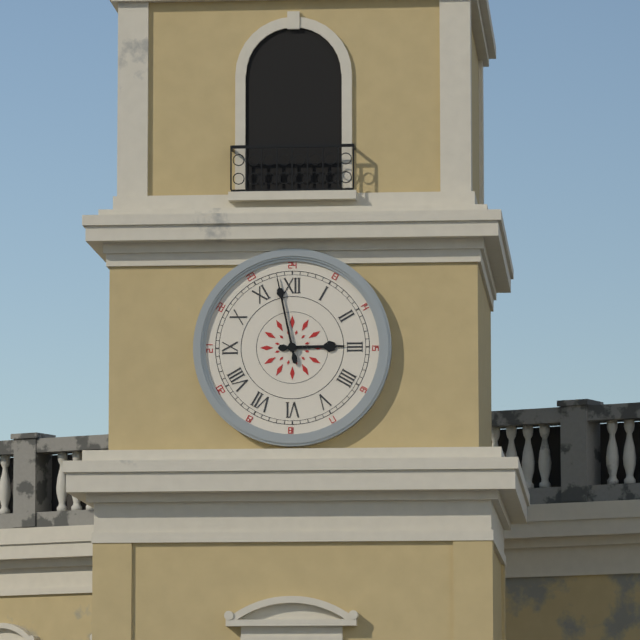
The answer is h=2 m=58
